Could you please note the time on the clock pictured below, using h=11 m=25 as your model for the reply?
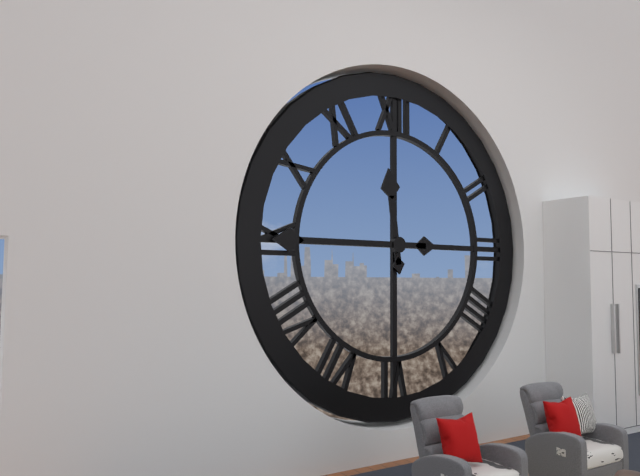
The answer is h=11 m=45
